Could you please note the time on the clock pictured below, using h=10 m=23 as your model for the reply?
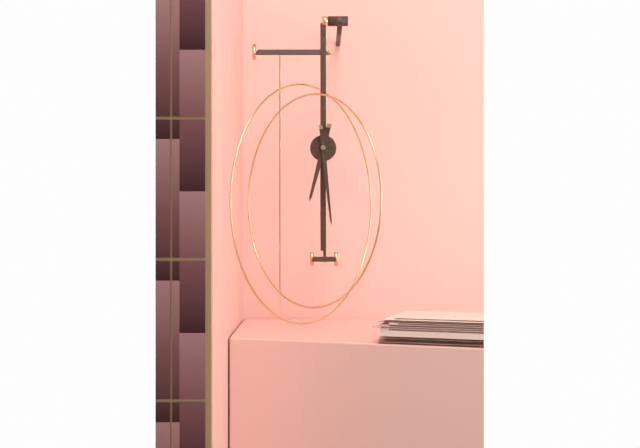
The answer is h=6 m=29
